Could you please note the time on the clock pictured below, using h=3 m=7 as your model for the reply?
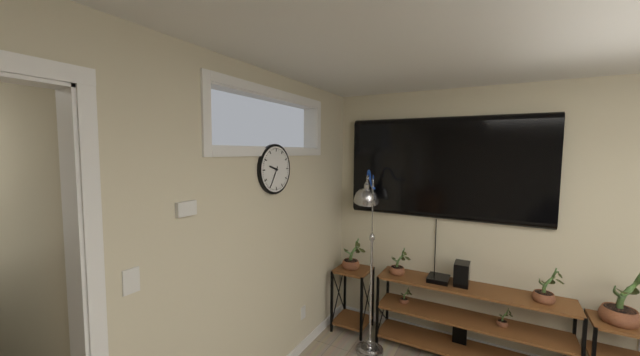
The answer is h=9 m=35
